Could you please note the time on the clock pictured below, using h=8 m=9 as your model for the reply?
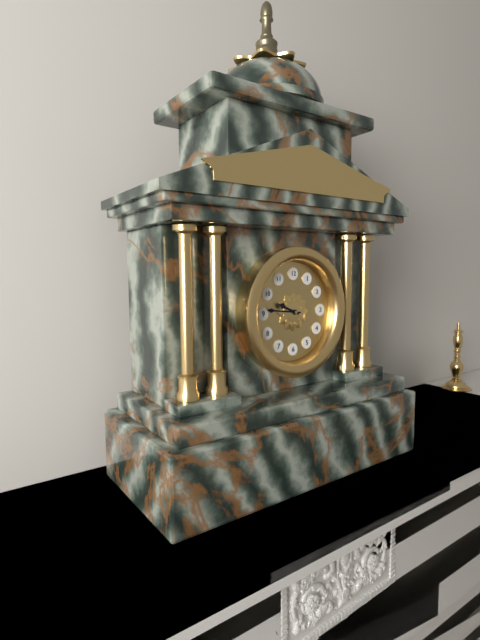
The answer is h=9 m=46
